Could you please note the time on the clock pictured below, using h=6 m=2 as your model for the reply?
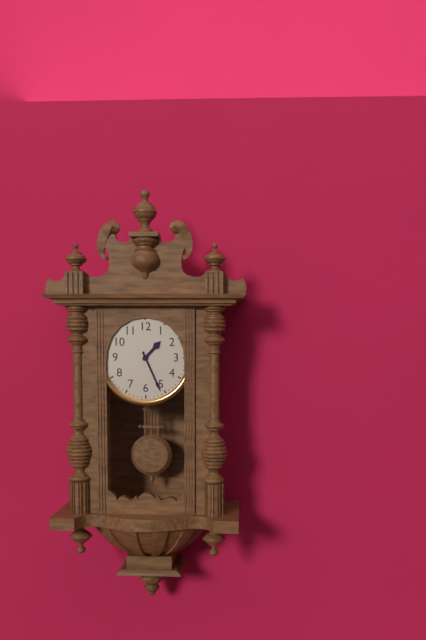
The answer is h=1 m=26
